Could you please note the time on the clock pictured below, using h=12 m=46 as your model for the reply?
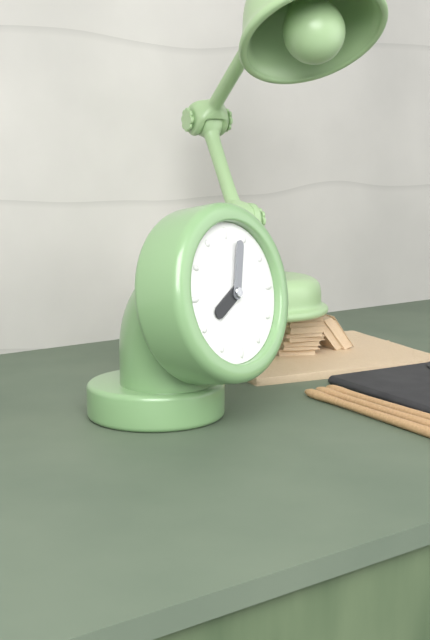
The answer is h=8 m=3
